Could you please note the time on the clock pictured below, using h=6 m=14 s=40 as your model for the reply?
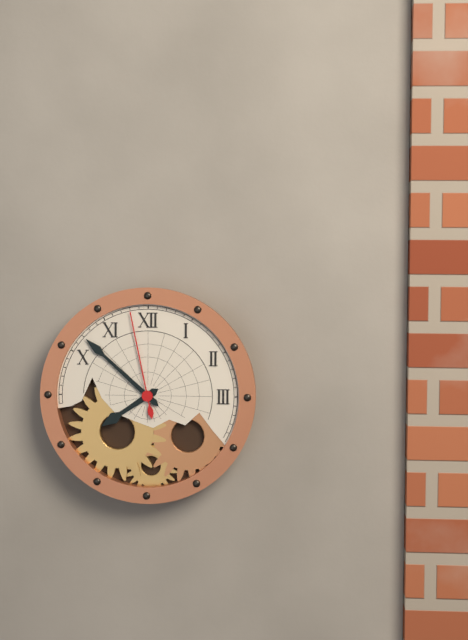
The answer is h=7 m=52 s=58
